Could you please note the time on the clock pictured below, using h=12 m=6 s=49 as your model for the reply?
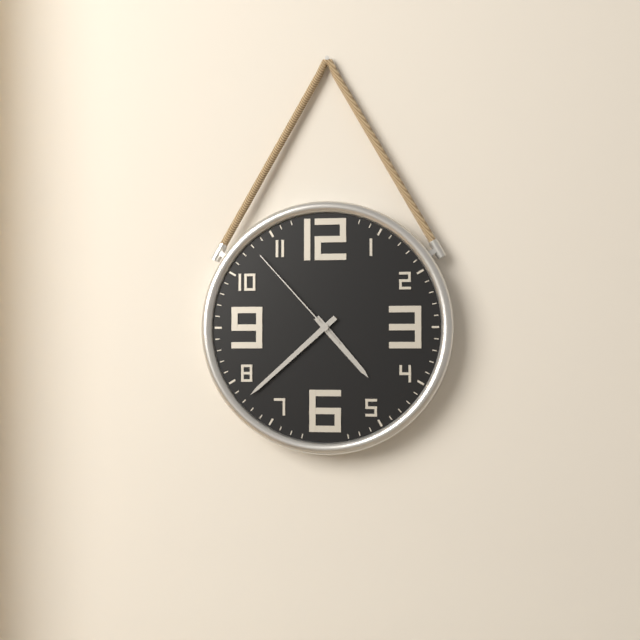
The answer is h=4 m=38 s=53
